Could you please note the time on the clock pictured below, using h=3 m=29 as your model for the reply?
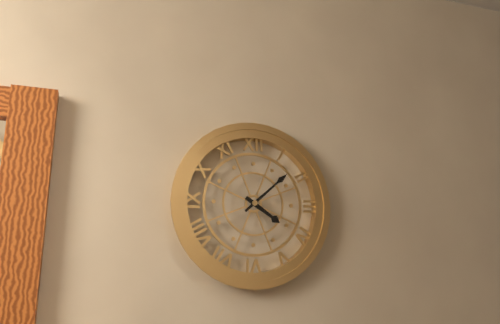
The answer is h=4 m=8
